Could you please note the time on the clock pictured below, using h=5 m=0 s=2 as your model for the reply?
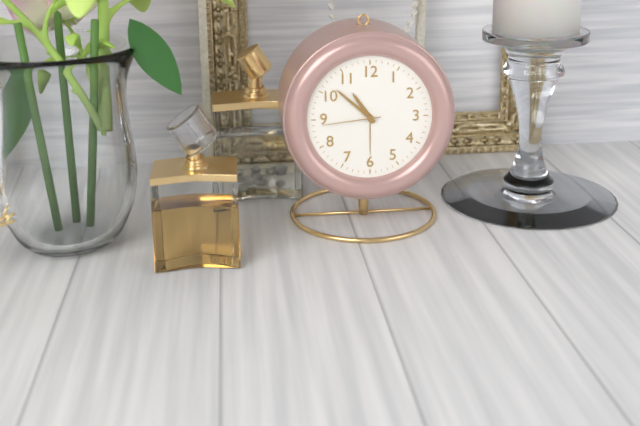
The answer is h=10 m=52 s=44
